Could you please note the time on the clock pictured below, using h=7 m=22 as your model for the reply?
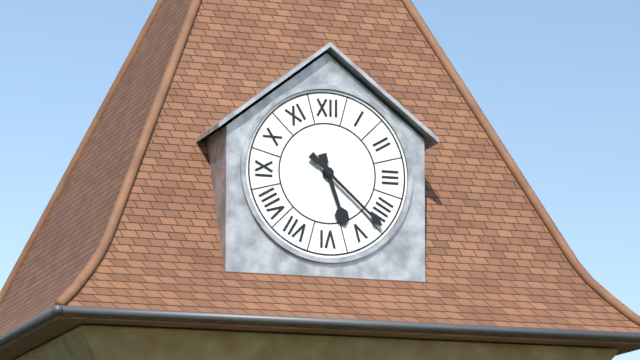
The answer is h=5 m=22
